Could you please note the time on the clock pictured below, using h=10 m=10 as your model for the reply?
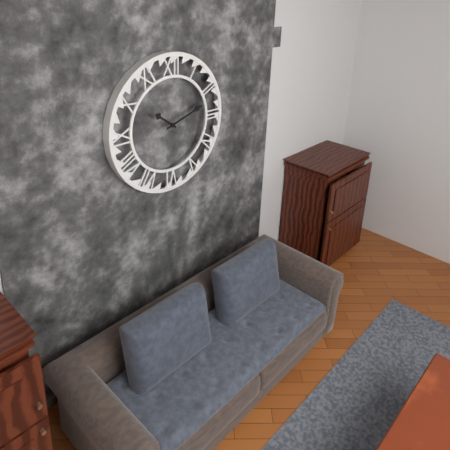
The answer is h=10 m=12
